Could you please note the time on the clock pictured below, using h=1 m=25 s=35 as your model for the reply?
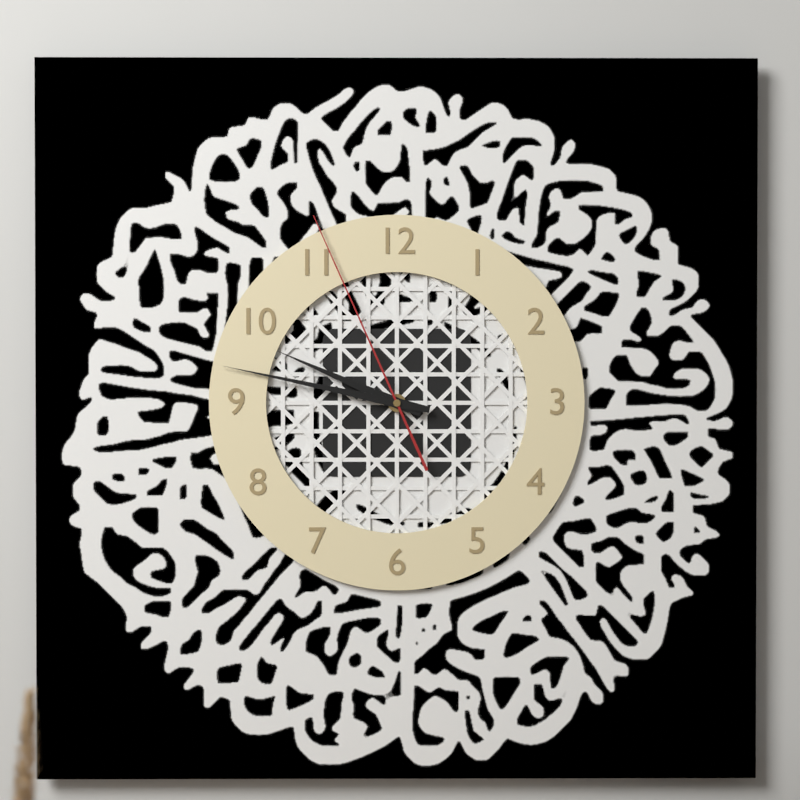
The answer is h=9 m=47 s=56
